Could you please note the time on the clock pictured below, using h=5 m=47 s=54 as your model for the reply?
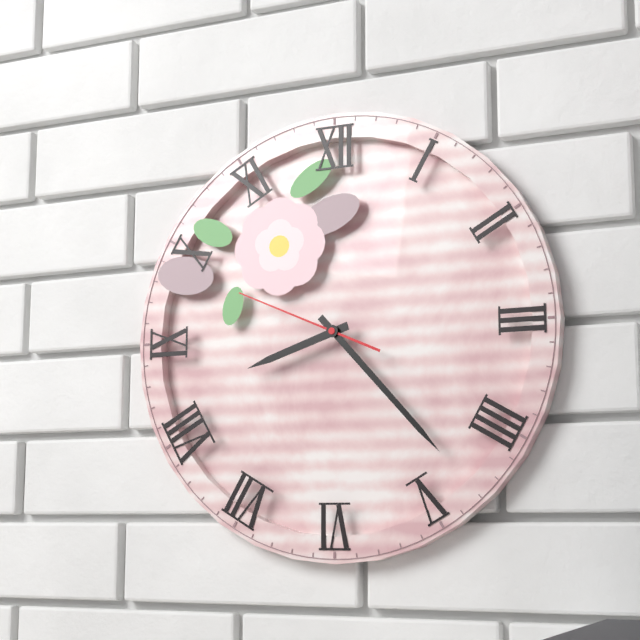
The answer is h=8 m=23 s=49
